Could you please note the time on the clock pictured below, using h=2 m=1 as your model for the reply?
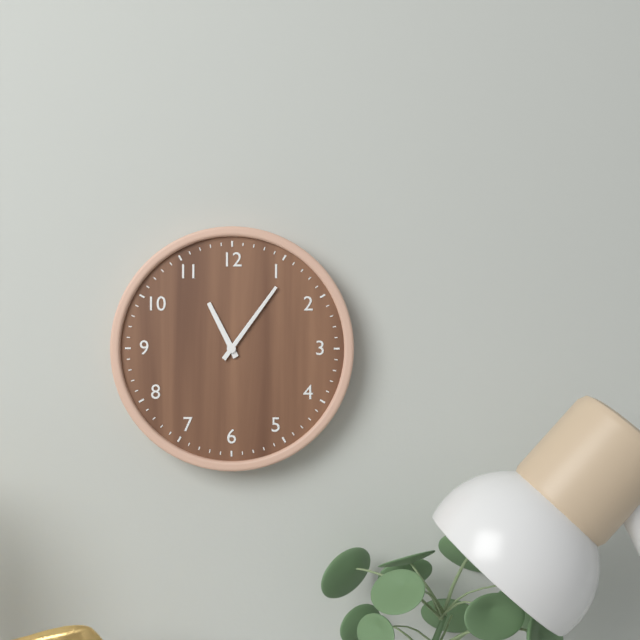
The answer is h=11 m=6
